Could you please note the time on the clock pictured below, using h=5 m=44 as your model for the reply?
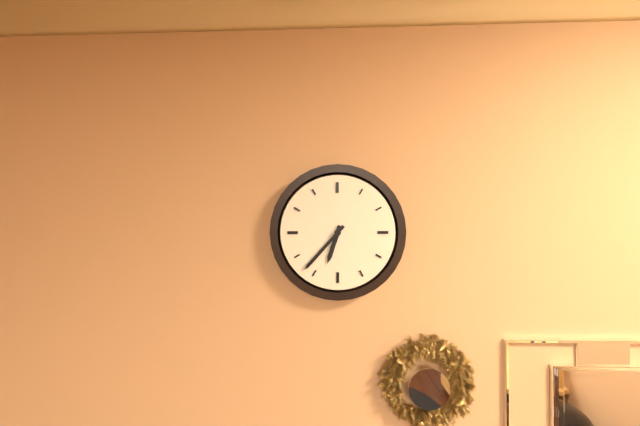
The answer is h=6 m=37
